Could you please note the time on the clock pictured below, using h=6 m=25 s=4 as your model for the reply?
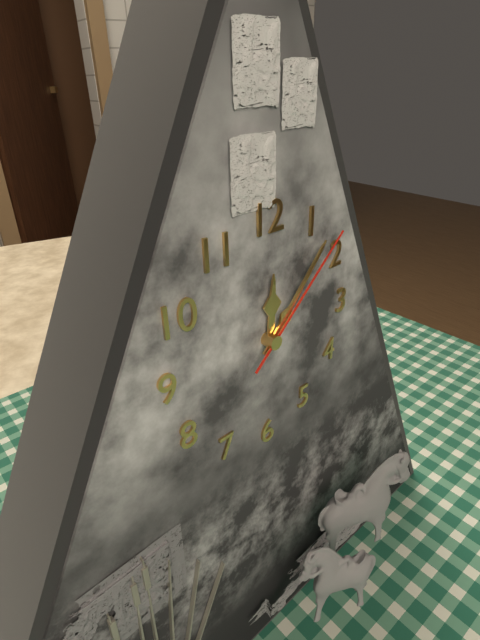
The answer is h=12 m=7 s=8
